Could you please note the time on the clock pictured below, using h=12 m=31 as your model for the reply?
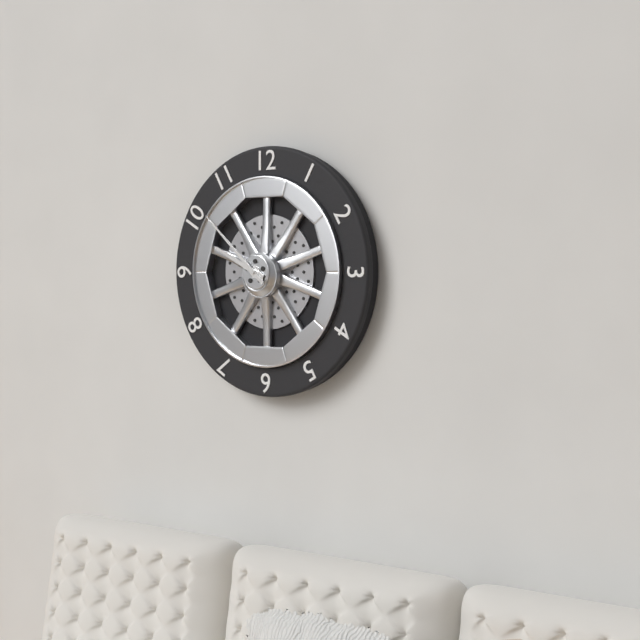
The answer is h=9 m=52
